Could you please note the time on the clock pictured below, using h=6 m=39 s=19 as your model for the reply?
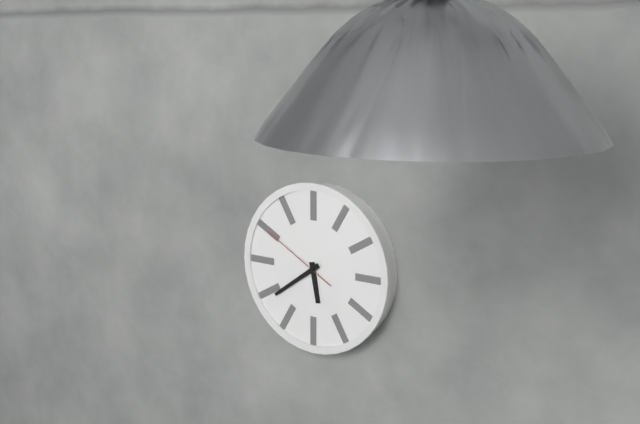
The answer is h=5 m=39 s=50
